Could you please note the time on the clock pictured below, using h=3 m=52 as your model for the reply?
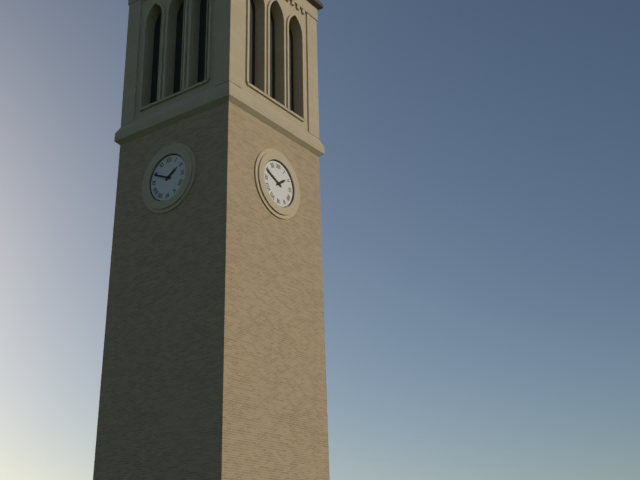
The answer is h=1 m=49
